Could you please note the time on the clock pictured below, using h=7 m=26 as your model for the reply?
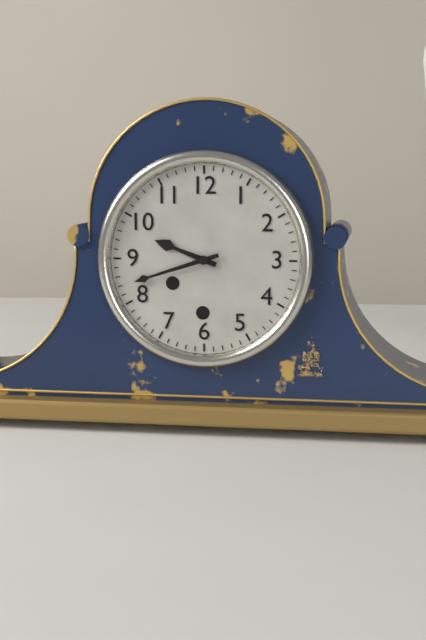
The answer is h=9 m=42
